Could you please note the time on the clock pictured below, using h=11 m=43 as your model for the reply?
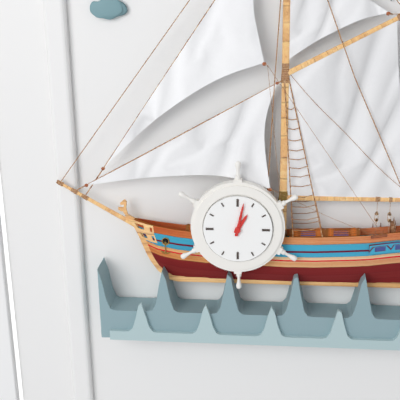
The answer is h=1 m=2
